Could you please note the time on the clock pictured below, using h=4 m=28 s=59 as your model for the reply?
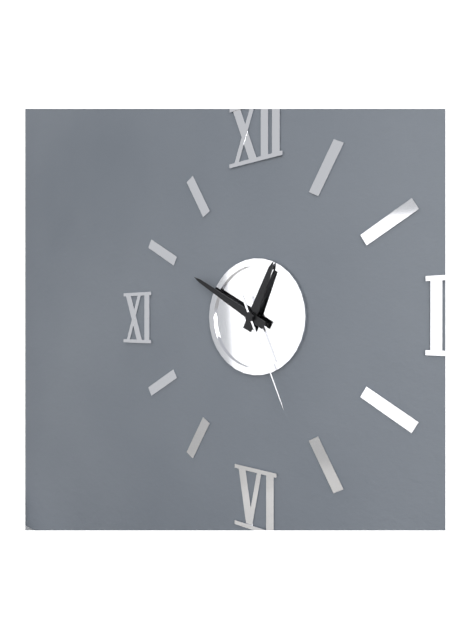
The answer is h=12 m=50 s=26
